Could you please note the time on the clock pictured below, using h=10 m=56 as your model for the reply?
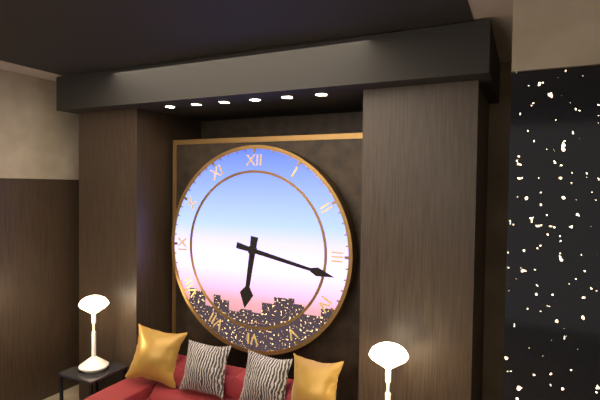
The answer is h=6 m=17
